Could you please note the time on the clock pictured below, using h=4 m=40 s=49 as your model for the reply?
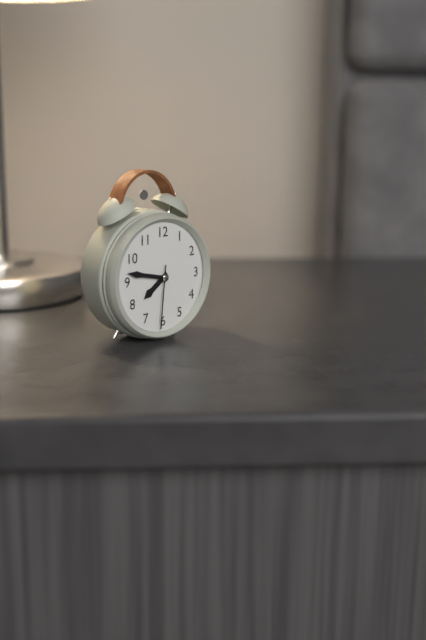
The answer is h=7 m=47 s=31
